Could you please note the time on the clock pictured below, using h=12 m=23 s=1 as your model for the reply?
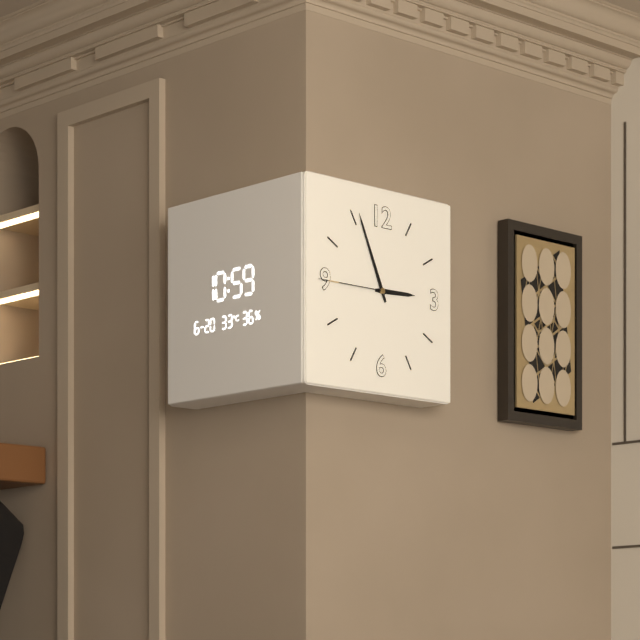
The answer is h=2 m=56 s=45
